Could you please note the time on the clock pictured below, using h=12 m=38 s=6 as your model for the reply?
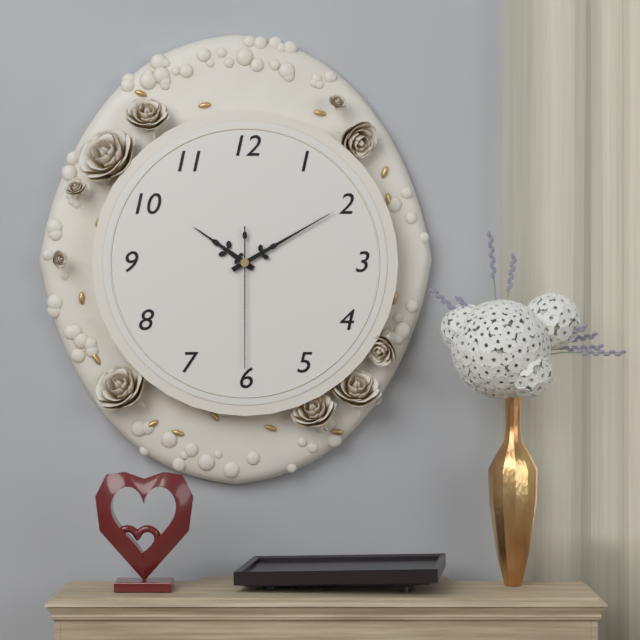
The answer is h=10 m=10 s=30
